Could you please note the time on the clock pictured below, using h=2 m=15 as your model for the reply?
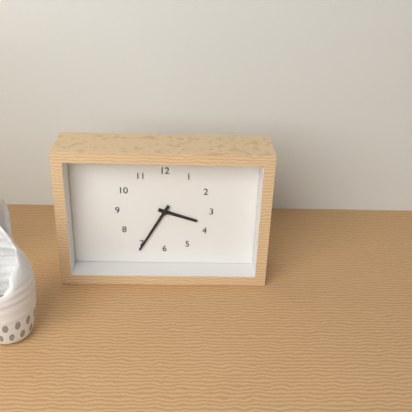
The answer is h=3 m=35
